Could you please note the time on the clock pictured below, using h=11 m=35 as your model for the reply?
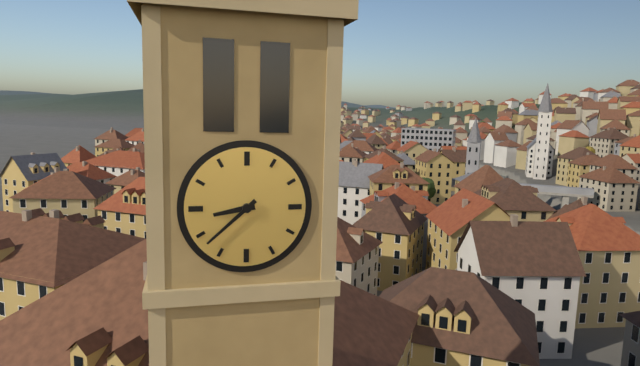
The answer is h=8 m=38
